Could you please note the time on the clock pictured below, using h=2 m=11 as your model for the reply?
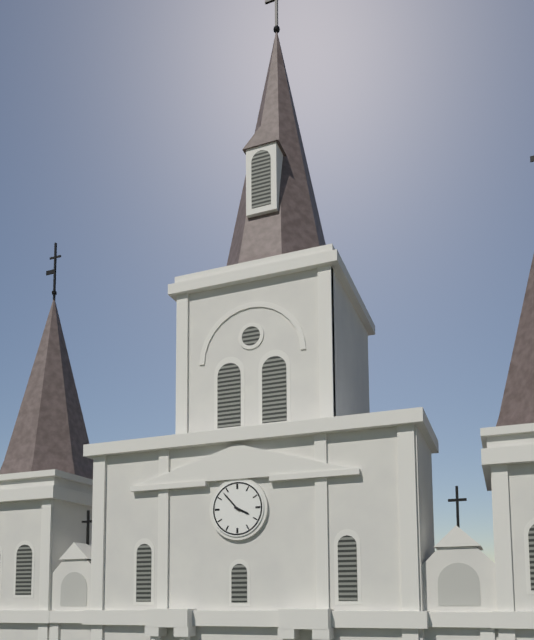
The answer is h=3 m=53
